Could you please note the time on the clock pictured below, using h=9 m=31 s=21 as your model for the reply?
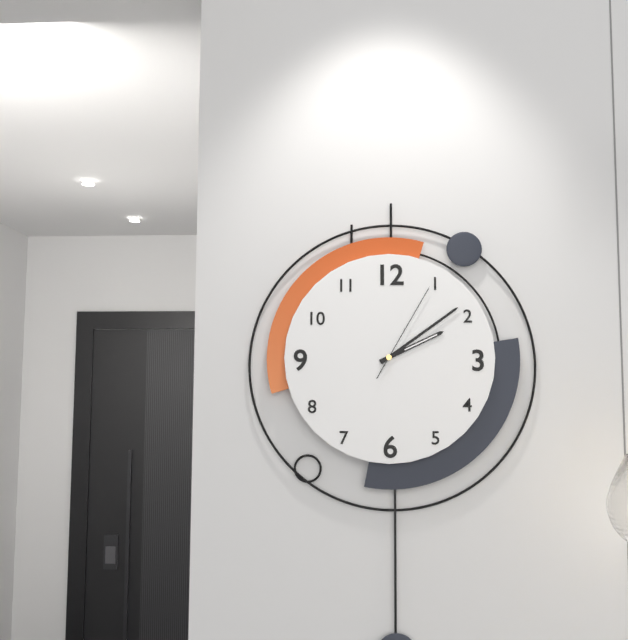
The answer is h=2 m=9 s=5
